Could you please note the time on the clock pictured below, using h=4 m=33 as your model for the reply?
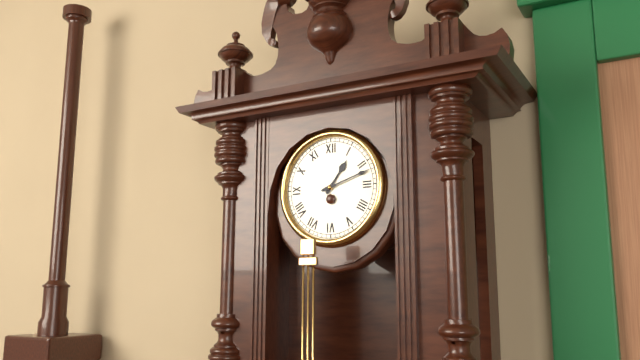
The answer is h=1 m=12
